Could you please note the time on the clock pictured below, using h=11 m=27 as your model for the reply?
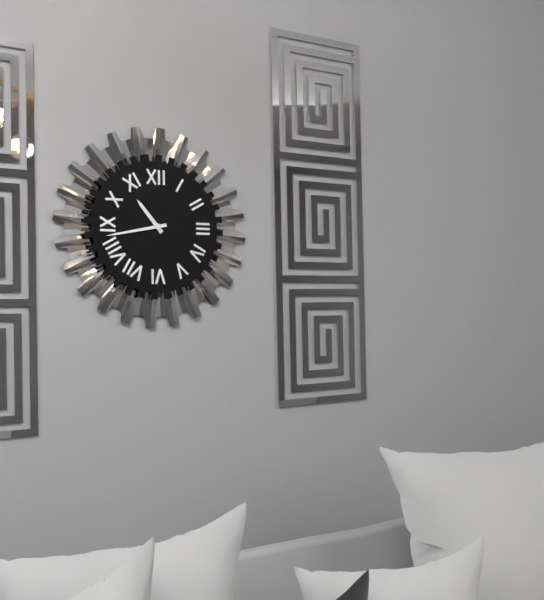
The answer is h=10 m=43
